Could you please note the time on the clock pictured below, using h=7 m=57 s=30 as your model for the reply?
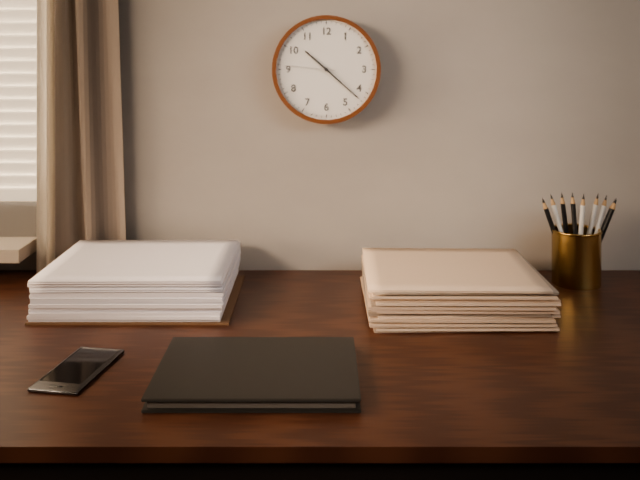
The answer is h=10 m=22 s=46
